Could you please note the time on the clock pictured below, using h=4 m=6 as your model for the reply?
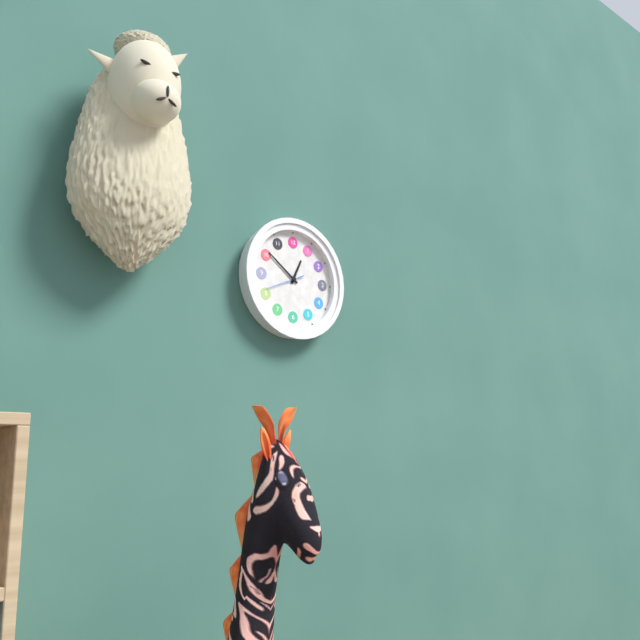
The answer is h=12 m=51
